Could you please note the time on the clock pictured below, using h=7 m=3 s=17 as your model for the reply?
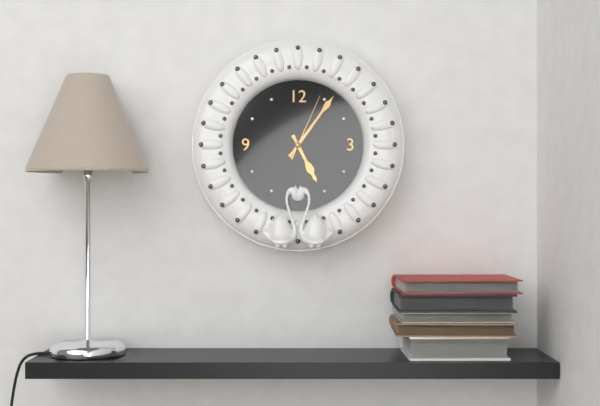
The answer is h=5 m=6 s=4
